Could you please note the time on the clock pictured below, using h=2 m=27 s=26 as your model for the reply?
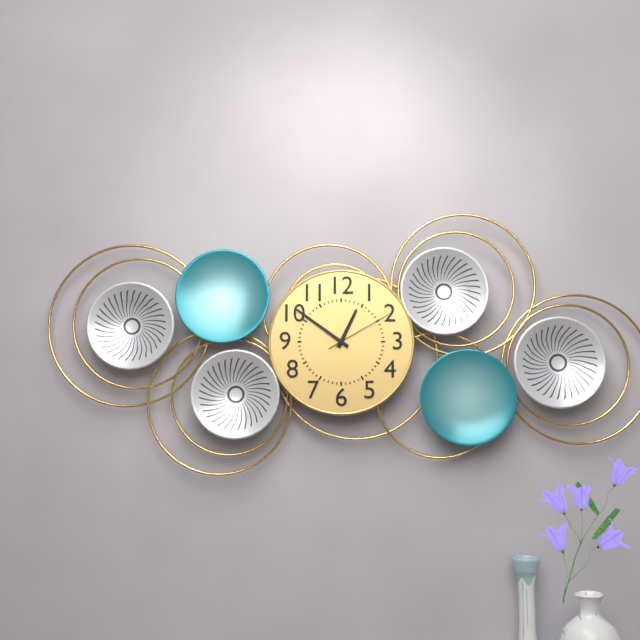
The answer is h=12 m=51 s=10
